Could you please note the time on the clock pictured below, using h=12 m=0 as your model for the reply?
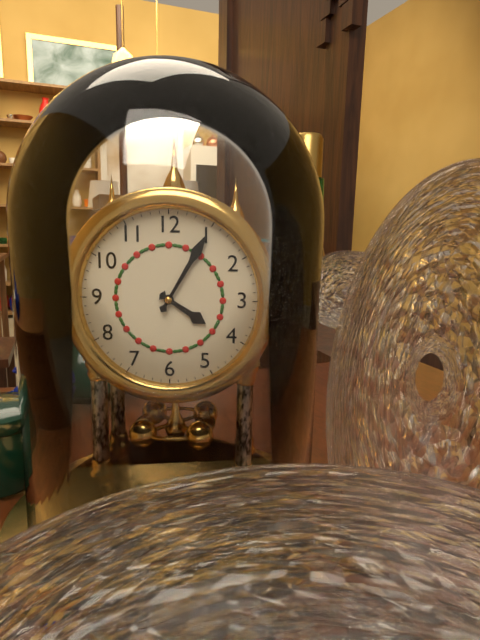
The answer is h=4 m=5
